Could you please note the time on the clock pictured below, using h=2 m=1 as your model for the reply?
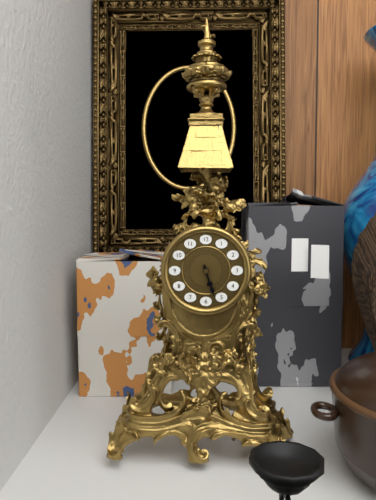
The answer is h=5 m=27
